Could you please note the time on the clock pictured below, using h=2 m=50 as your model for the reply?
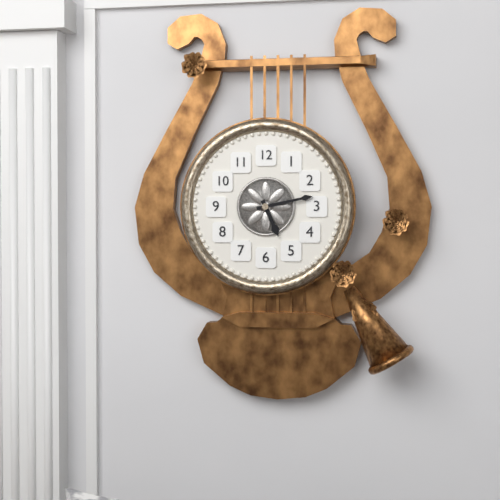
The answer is h=5 m=13
